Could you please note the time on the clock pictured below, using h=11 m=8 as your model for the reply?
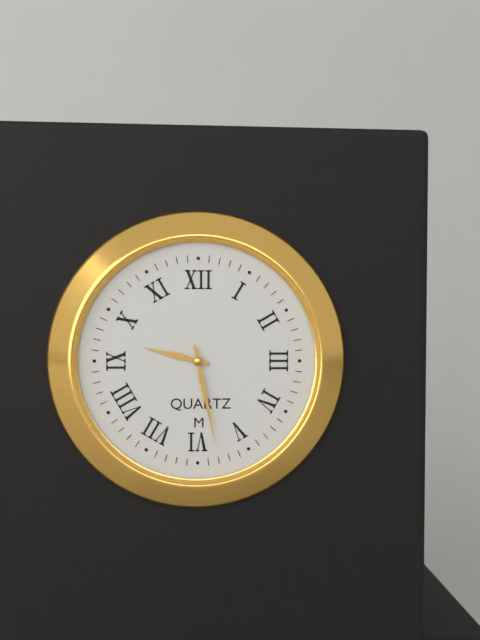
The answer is h=9 m=28
